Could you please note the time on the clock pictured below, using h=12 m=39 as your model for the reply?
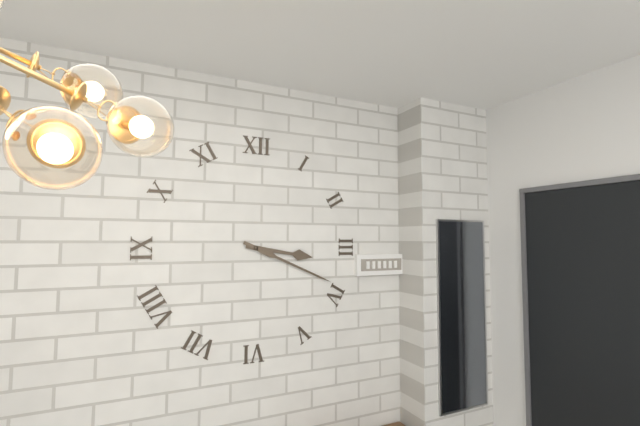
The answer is h=3 m=19
